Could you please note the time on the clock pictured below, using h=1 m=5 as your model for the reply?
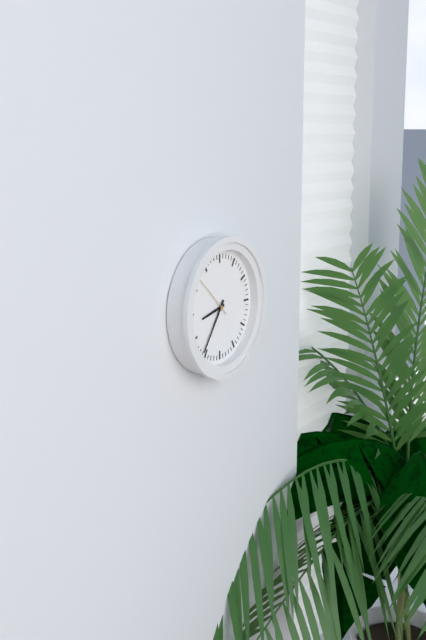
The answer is h=8 m=36
